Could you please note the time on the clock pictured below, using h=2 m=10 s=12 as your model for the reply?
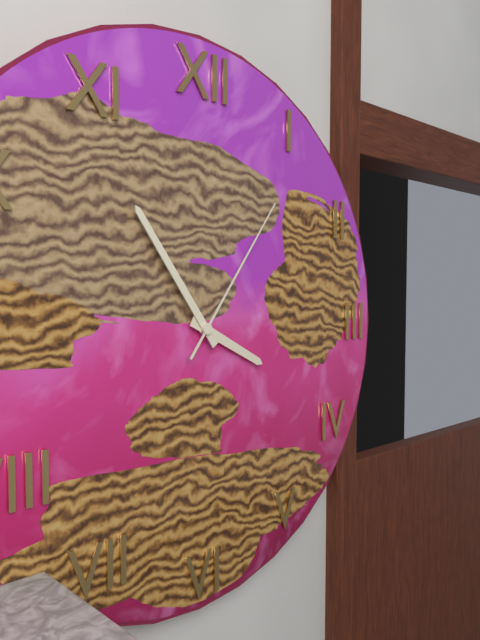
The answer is h=3 m=54 s=6
